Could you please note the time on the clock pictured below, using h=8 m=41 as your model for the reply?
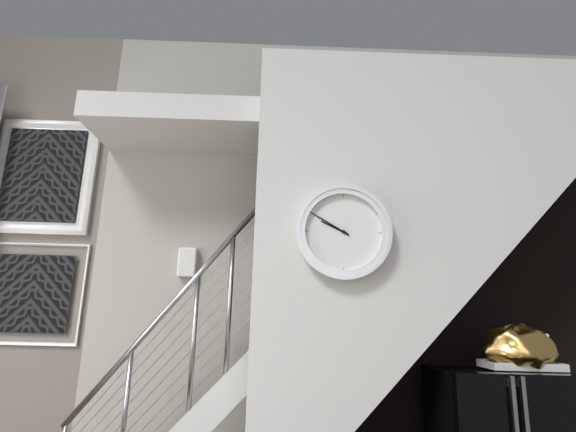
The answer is h=9 m=50
